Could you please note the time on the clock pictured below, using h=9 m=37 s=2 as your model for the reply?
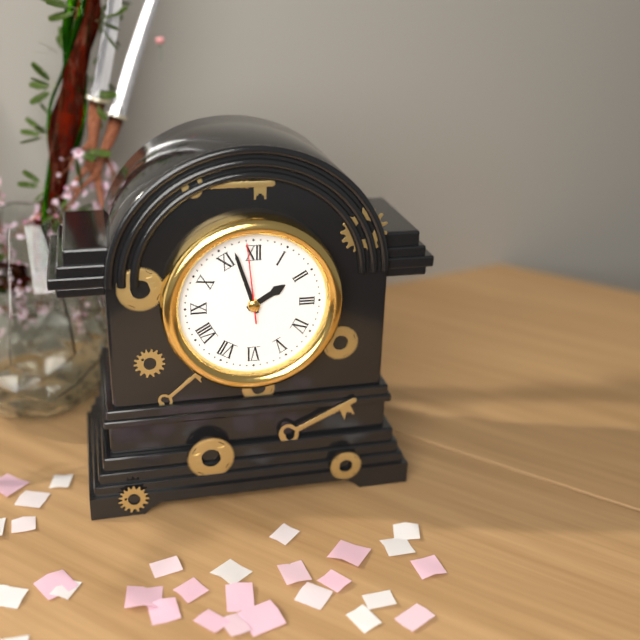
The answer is h=1 m=57 s=59
